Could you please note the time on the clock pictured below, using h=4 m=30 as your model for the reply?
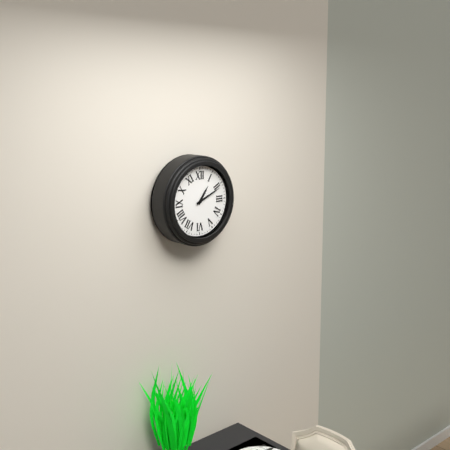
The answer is h=1 m=11
